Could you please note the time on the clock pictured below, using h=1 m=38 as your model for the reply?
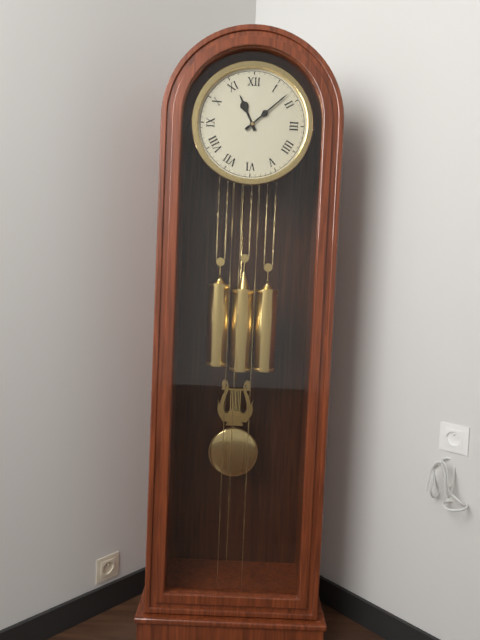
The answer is h=11 m=8
